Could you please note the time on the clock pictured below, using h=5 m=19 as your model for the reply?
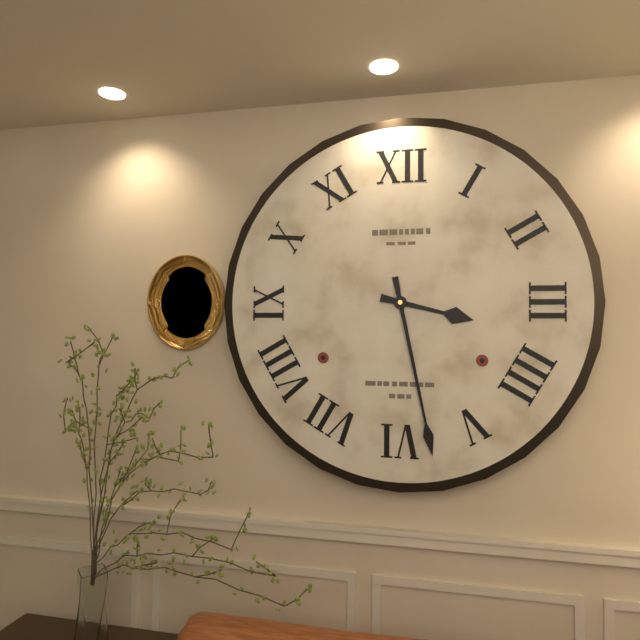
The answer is h=3 m=28
